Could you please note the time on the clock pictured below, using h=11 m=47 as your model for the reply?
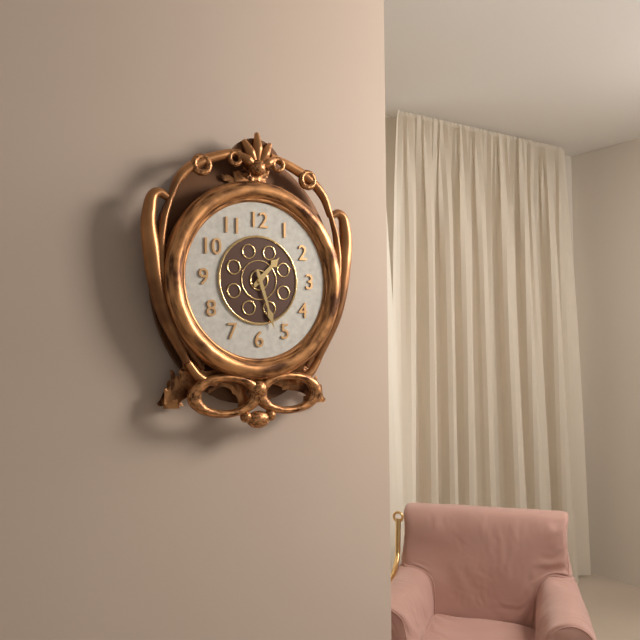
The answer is h=1 m=27
